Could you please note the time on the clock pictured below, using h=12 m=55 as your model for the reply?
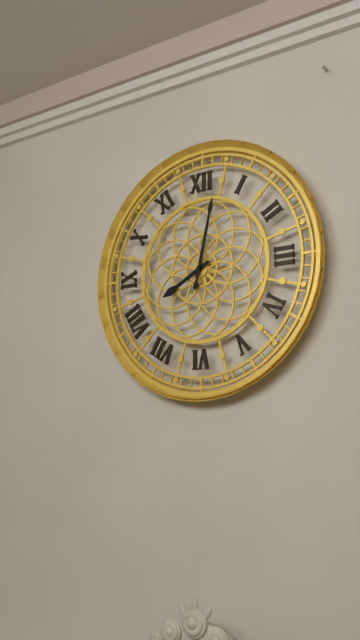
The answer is h=8 m=2
